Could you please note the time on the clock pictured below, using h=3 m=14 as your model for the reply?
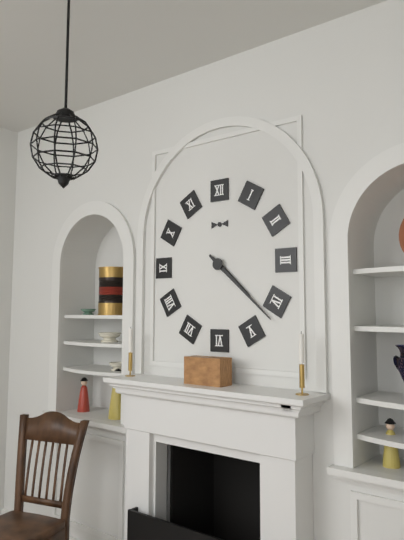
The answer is h=4 m=22
